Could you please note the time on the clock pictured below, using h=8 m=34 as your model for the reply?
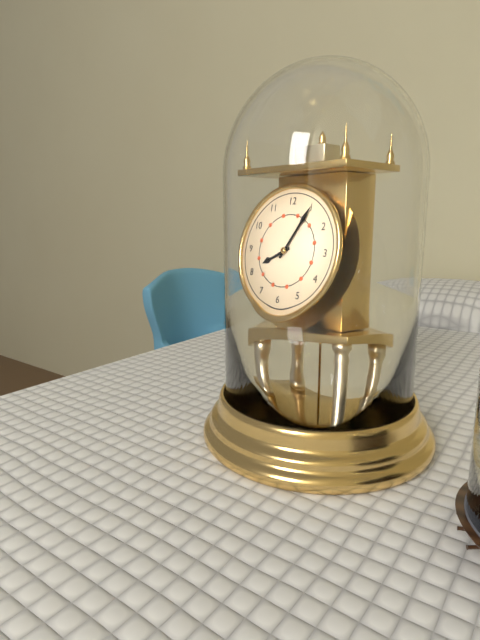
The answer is h=8 m=5
